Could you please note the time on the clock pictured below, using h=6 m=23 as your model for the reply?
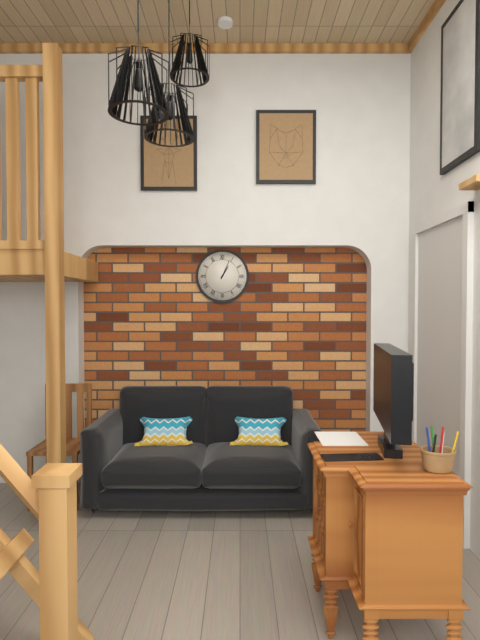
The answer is h=1 m=4
